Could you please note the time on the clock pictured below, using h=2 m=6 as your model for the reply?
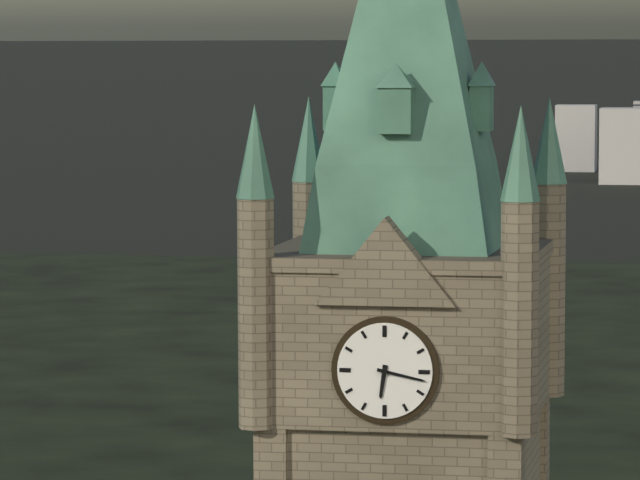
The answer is h=6 m=17
